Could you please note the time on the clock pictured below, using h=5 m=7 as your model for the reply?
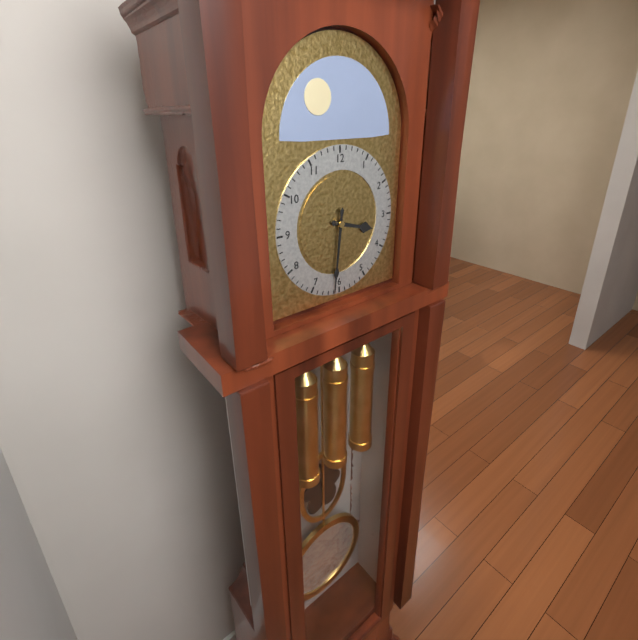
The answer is h=3 m=31
